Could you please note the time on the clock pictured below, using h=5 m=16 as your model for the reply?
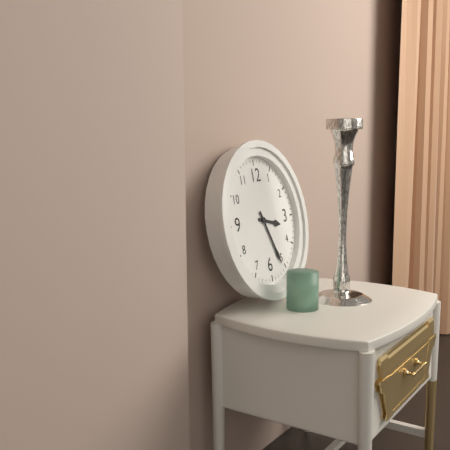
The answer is h=3 m=26
